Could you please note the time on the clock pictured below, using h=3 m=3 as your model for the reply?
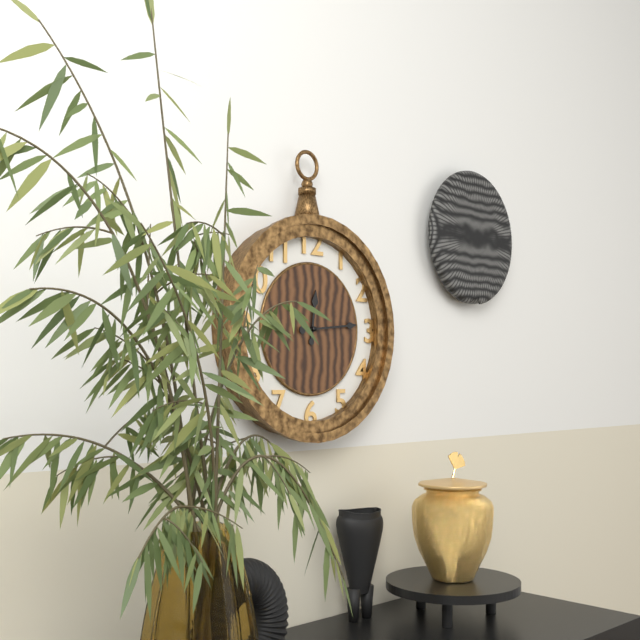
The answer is h=12 m=14
